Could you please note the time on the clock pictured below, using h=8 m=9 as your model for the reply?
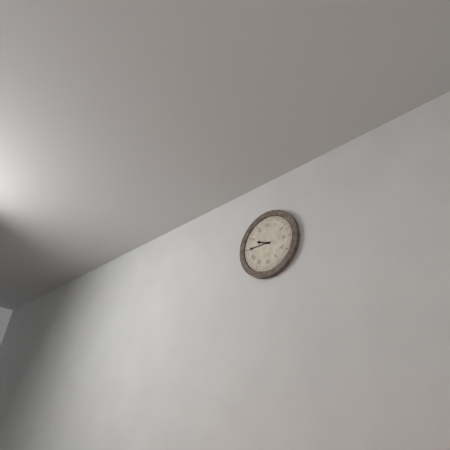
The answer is h=9 m=45
